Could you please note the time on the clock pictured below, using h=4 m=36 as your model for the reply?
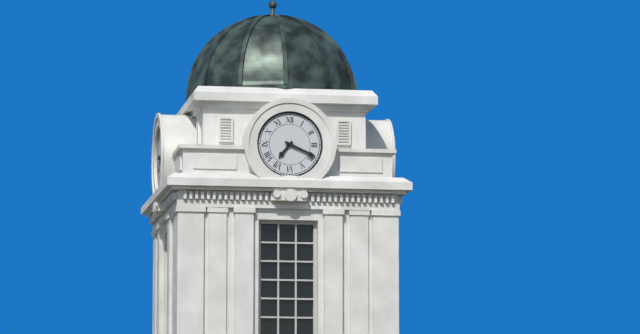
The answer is h=7 m=19
